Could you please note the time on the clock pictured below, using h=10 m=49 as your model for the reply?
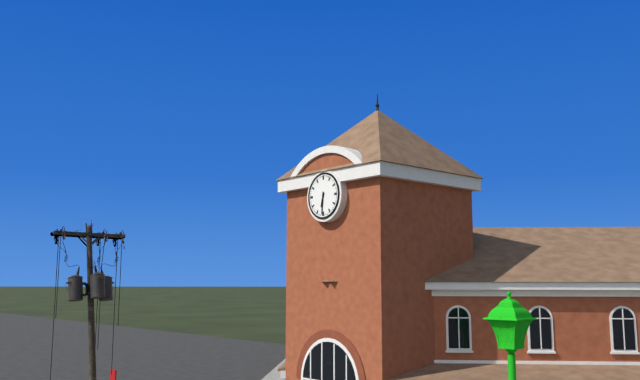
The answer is h=6 m=31
